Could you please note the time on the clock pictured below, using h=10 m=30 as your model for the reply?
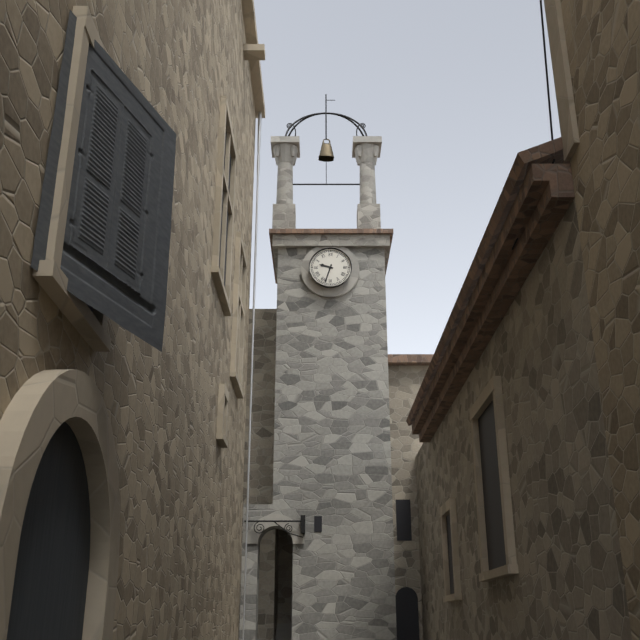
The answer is h=9 m=33
